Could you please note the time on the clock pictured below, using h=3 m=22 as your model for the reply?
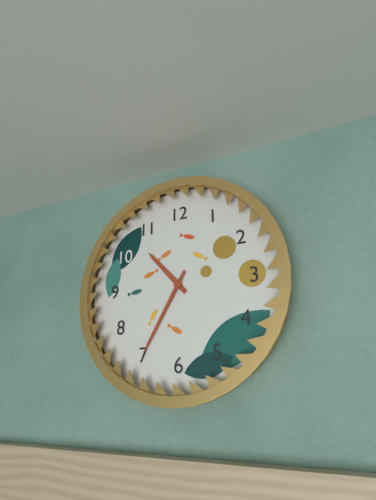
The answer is h=10 m=35
